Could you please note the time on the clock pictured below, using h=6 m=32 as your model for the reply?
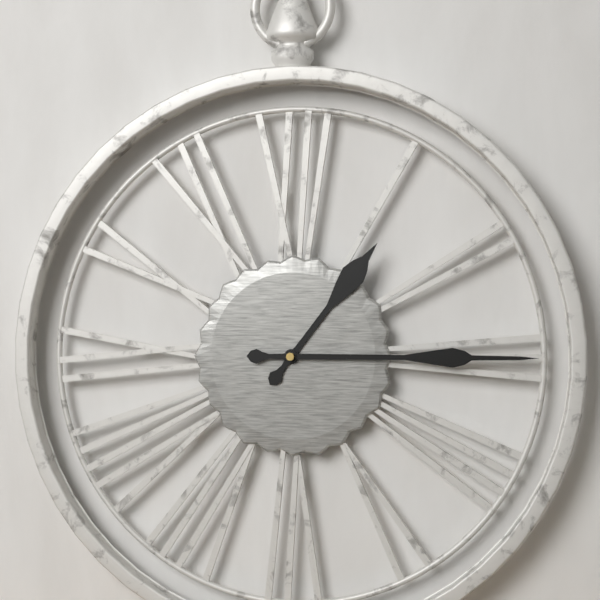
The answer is h=1 m=15
